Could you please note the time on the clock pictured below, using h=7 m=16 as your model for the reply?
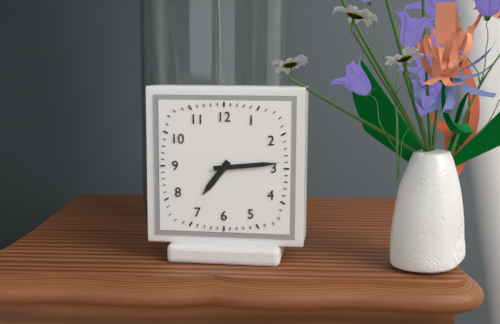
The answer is h=7 m=14
